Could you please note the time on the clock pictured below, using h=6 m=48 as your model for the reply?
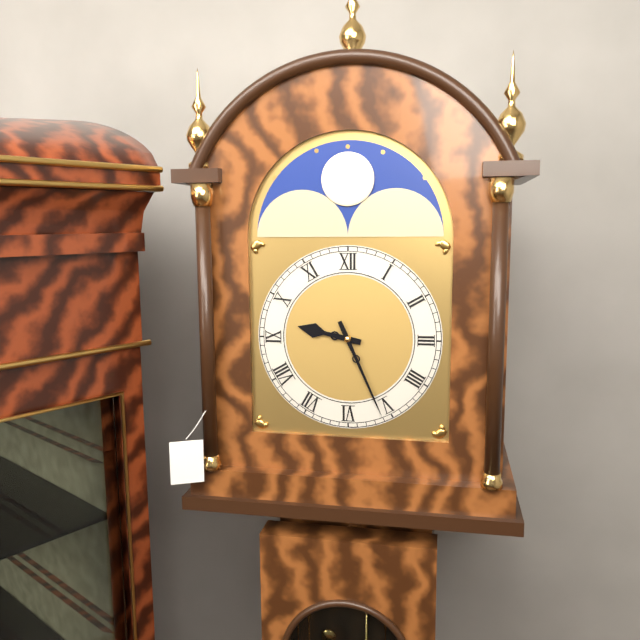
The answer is h=9 m=26
